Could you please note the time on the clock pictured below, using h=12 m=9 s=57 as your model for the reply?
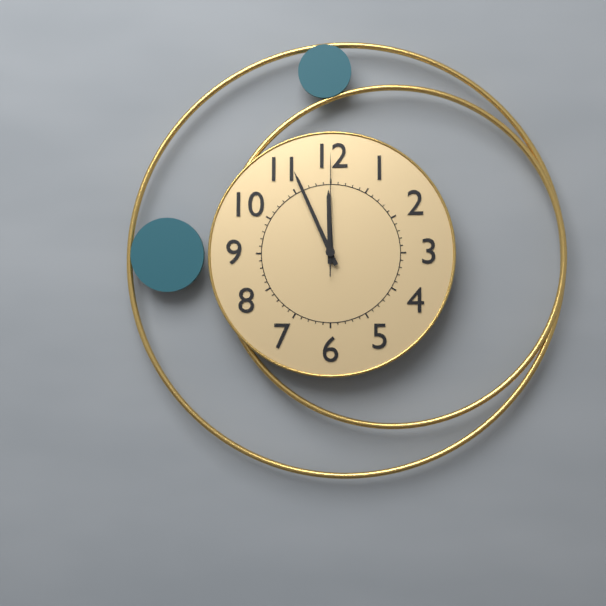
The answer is h=11 m=56 s=0
